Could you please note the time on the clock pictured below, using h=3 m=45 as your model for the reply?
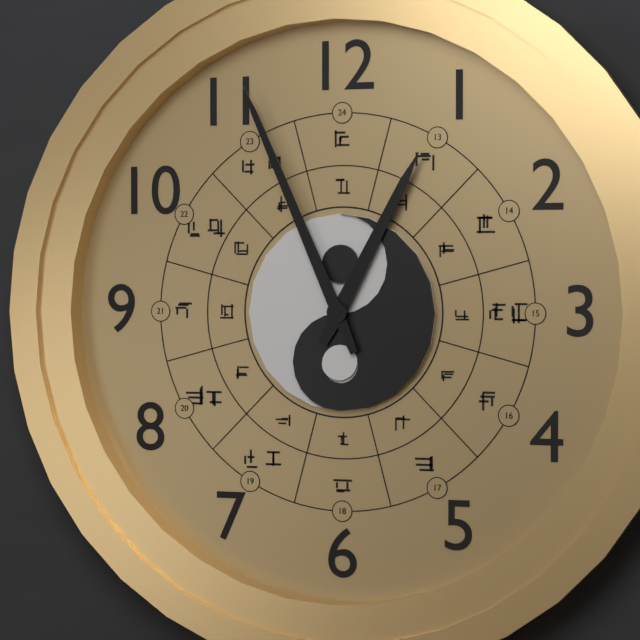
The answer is h=12 m=56
